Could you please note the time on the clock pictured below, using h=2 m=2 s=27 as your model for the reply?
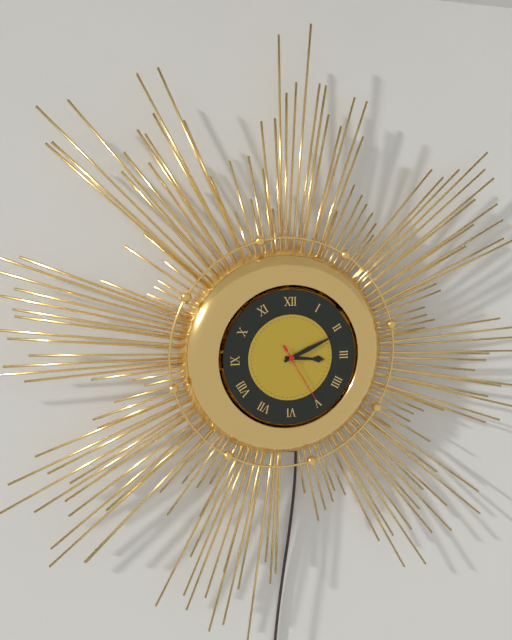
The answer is h=3 m=11 s=25
